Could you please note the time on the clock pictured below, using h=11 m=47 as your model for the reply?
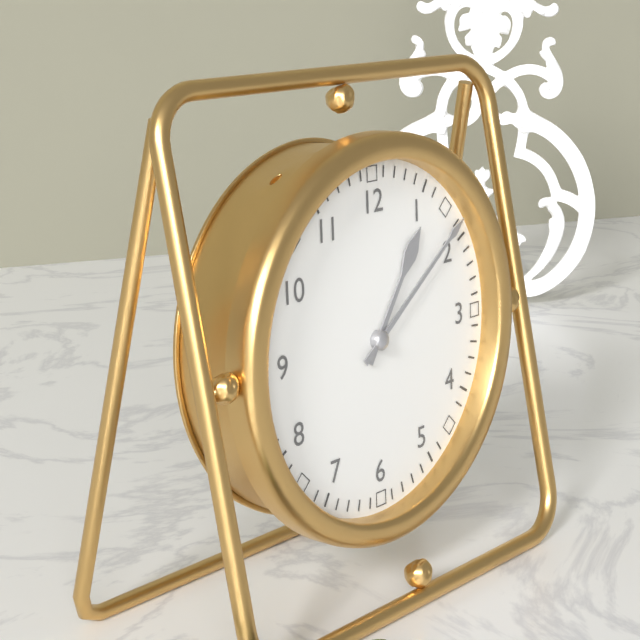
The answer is h=1 m=9
